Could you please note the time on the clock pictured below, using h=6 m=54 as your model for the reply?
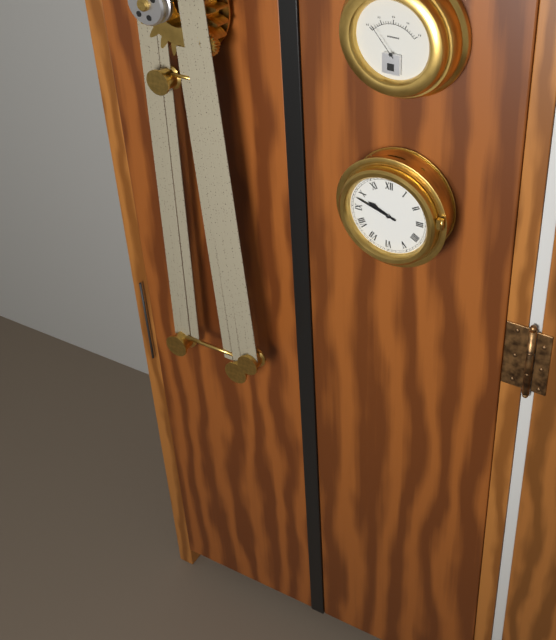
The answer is h=9 m=48
